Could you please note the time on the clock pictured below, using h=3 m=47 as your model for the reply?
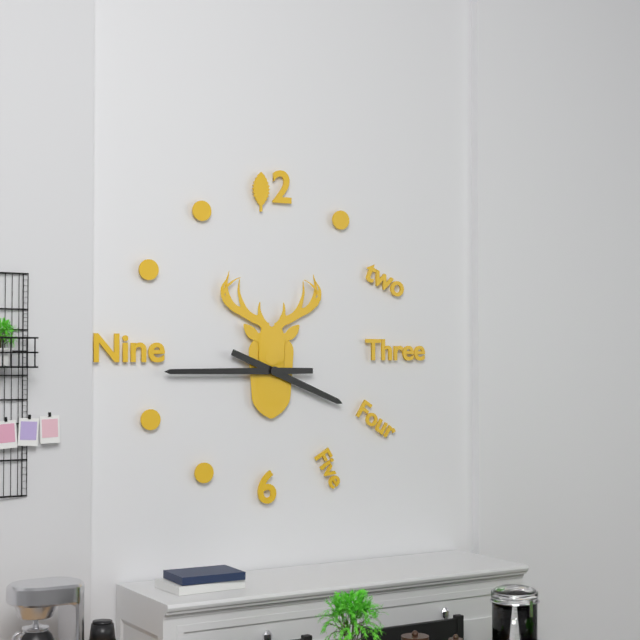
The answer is h=3 m=45
